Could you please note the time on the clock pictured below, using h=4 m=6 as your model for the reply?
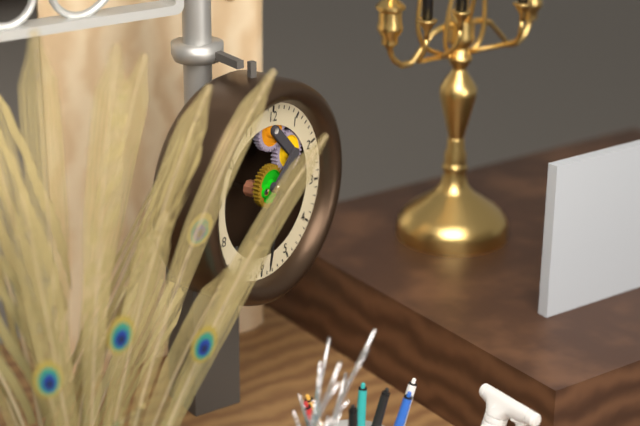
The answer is h=7 m=31
